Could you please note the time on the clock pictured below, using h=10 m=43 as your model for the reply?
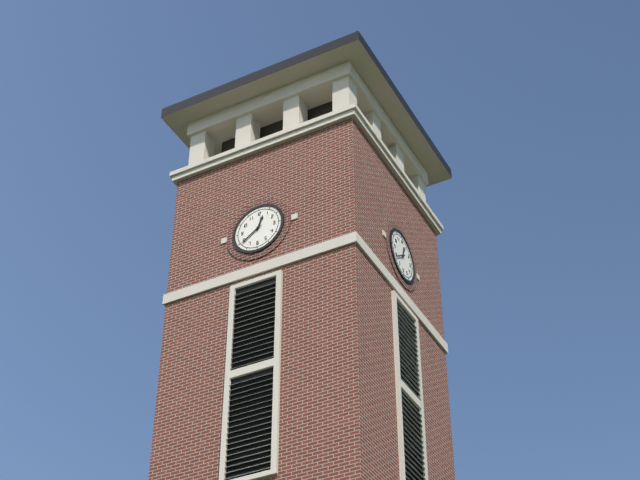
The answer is h=12 m=39
